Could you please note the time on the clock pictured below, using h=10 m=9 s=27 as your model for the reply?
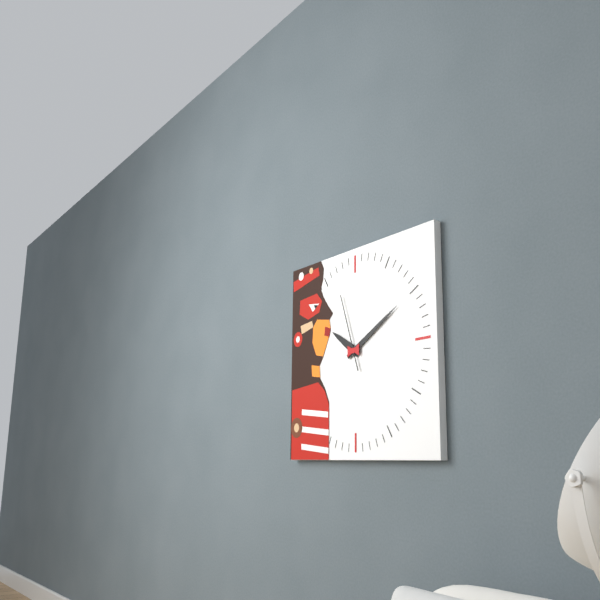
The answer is h=10 m=10 s=57
